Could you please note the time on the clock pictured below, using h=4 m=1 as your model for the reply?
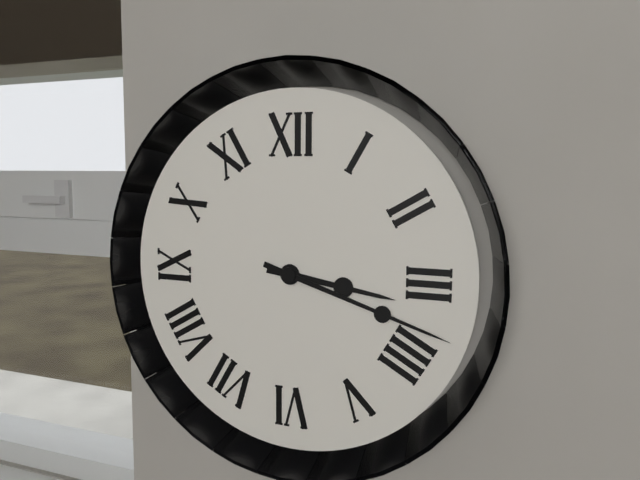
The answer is h=3 m=18
